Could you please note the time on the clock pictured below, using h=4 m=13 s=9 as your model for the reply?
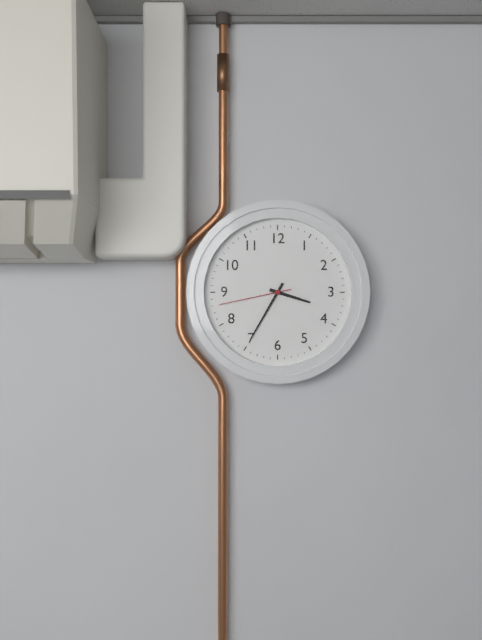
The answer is h=3 m=35 s=43
